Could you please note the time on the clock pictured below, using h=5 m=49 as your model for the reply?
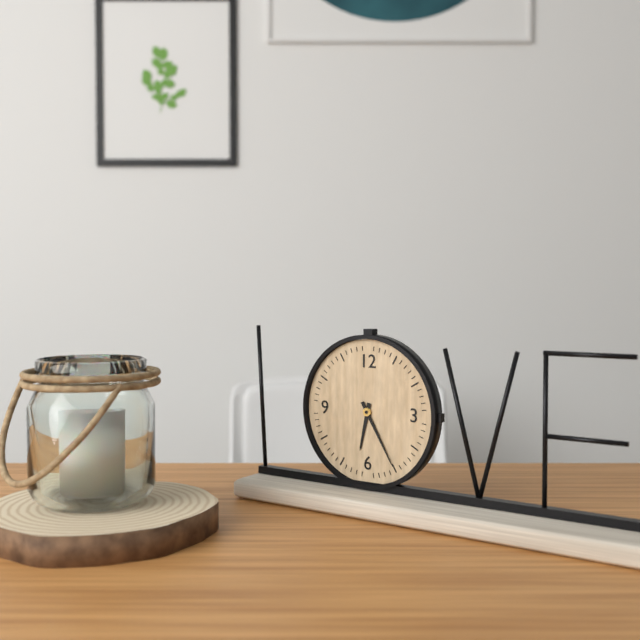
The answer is h=6 m=25
